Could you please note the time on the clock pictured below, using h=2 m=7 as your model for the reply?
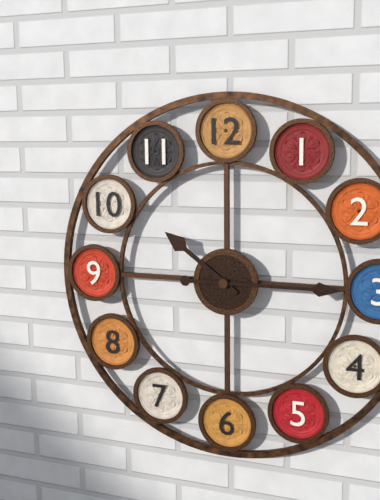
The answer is h=10 m=15
